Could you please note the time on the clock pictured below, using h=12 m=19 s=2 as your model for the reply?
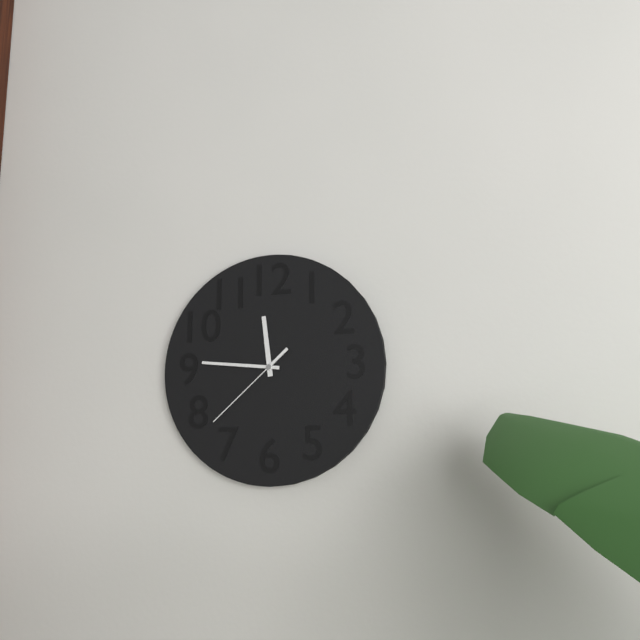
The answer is h=11 m=46 s=38
